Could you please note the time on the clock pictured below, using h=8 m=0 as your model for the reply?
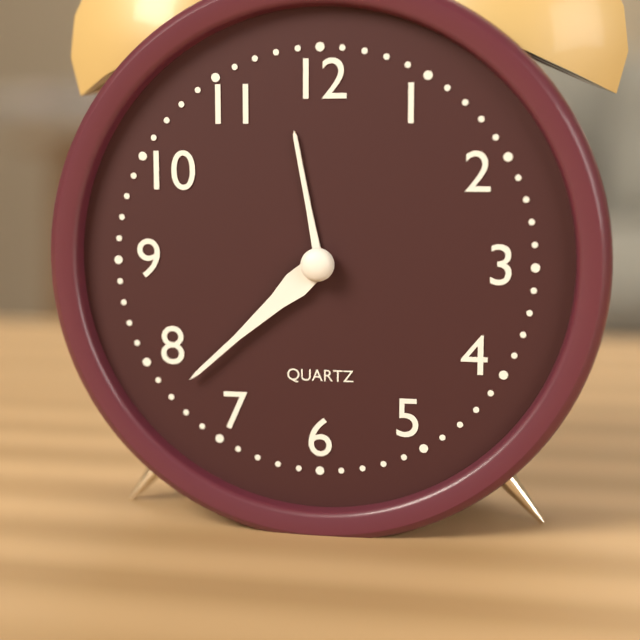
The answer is h=11 m=38
